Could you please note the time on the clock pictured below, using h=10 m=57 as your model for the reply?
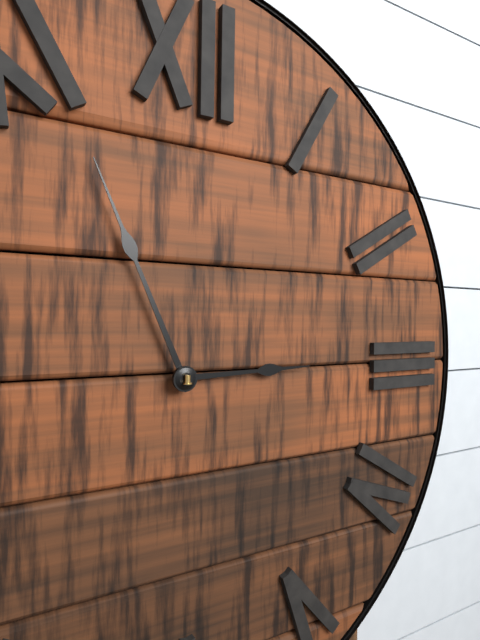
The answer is h=2 m=56
